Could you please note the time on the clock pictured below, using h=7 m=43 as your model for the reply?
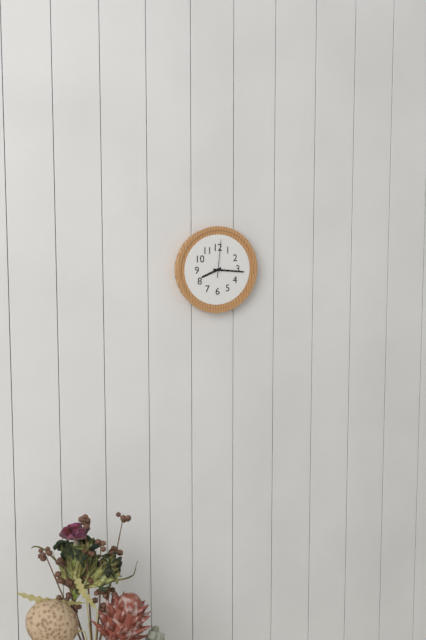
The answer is h=8 m=16
